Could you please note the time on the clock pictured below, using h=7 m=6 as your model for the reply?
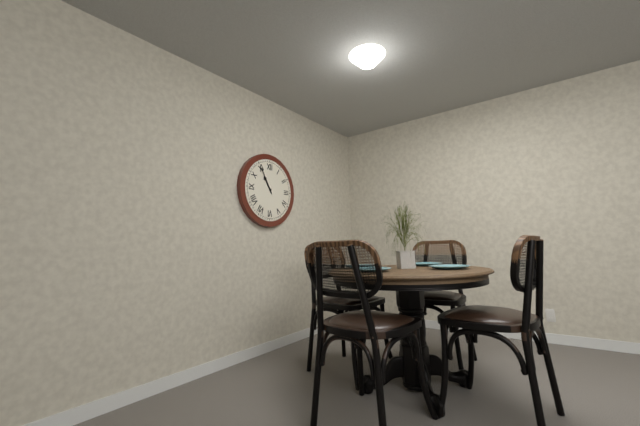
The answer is h=10 m=55
